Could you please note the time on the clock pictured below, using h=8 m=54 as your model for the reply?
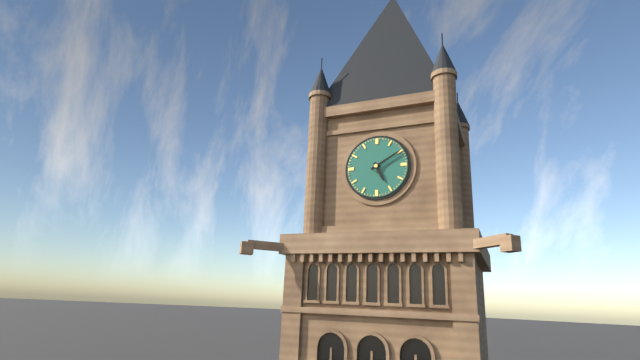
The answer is h=5 m=10
